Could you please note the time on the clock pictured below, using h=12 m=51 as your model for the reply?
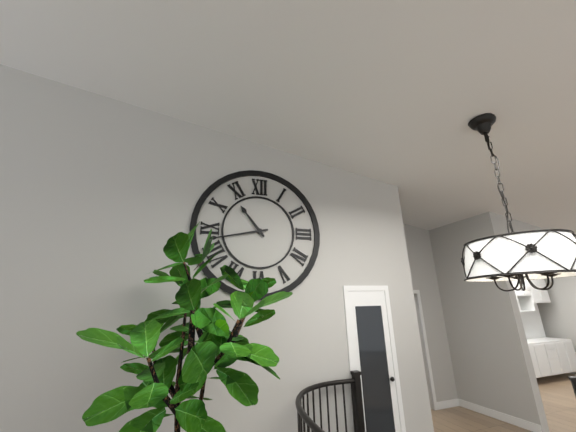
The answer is h=10 m=43
